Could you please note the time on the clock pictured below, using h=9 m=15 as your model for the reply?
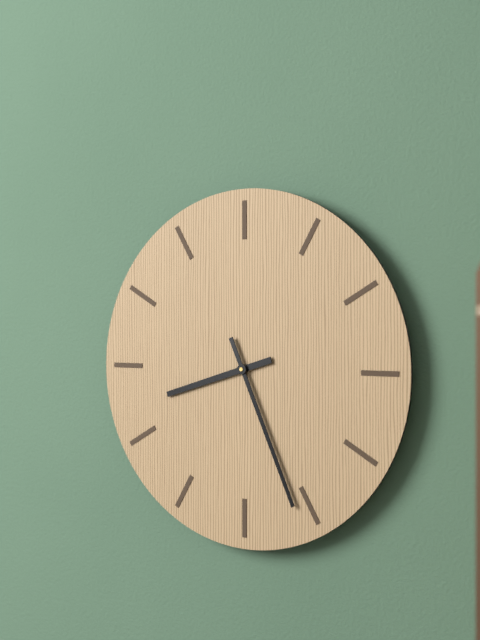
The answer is h=8 m=26
